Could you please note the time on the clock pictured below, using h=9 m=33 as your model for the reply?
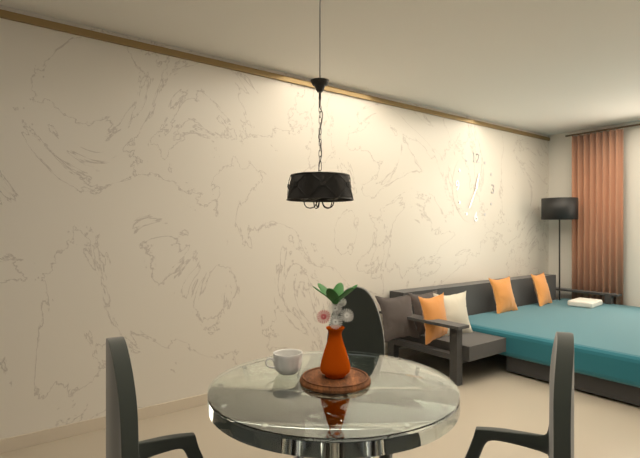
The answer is h=12 m=35
